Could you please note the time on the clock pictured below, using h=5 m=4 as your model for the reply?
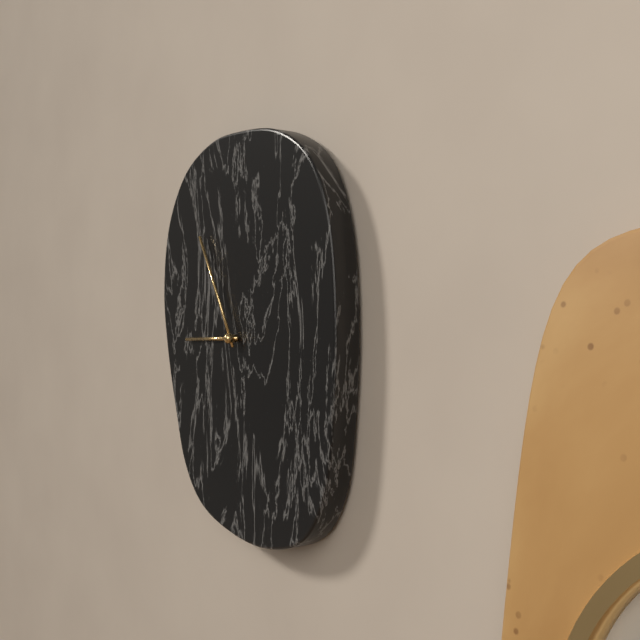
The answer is h=8 m=55
